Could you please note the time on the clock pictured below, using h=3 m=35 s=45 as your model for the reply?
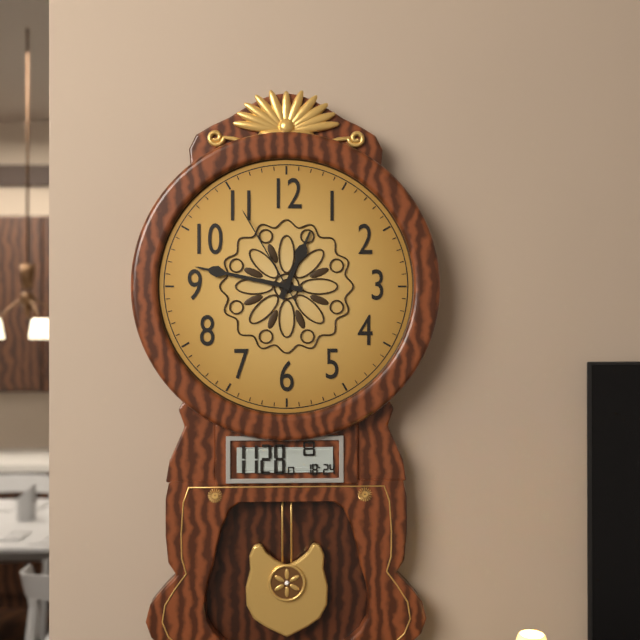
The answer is h=12 m=47 s=55
